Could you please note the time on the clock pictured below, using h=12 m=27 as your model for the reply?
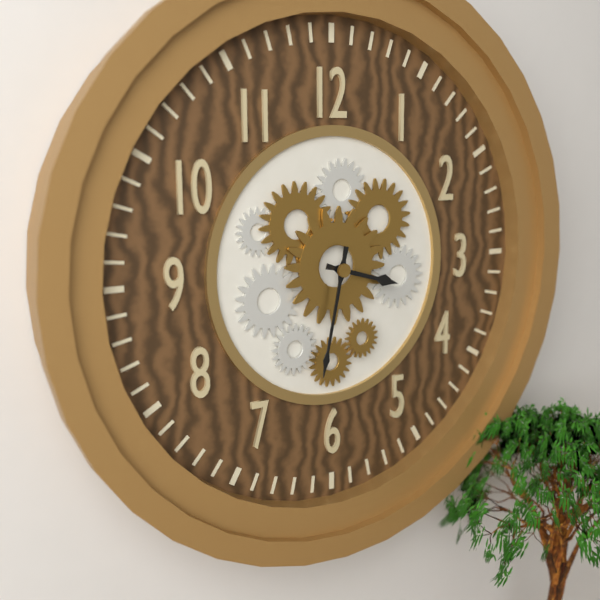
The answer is h=3 m=32
